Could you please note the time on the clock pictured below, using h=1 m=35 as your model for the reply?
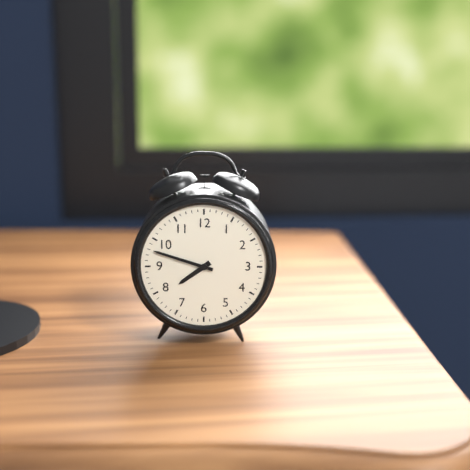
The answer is h=7 m=48
